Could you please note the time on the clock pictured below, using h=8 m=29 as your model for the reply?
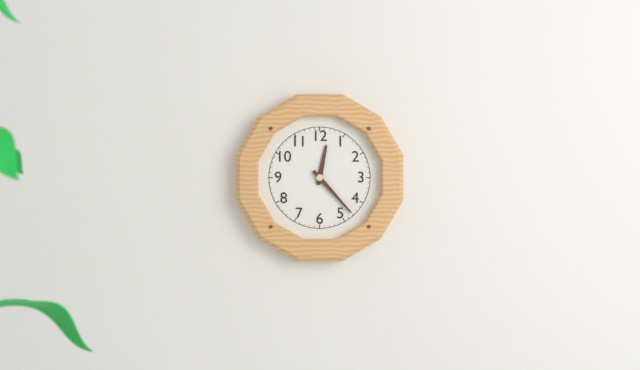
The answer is h=12 m=23
